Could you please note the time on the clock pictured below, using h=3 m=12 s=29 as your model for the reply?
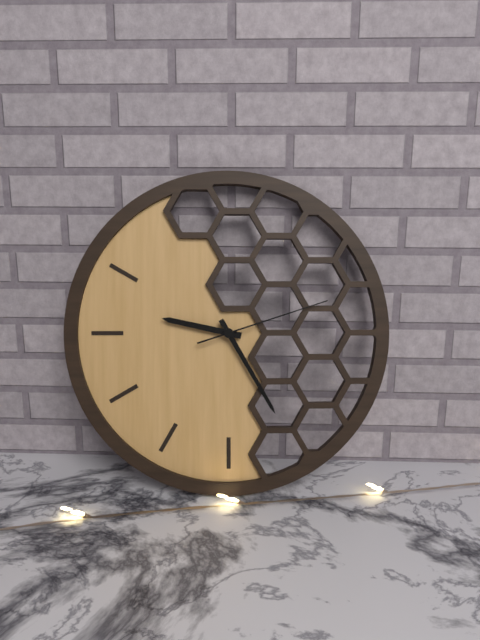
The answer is h=9 m=25 s=12
